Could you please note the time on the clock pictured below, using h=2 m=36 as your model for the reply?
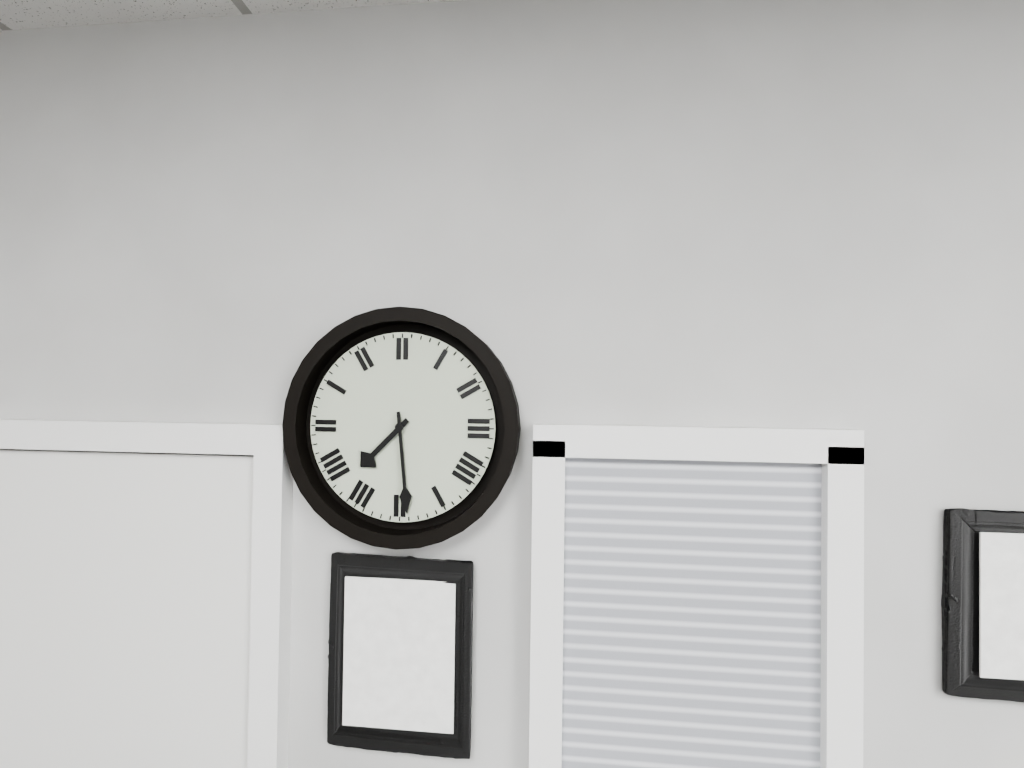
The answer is h=7 m=29
